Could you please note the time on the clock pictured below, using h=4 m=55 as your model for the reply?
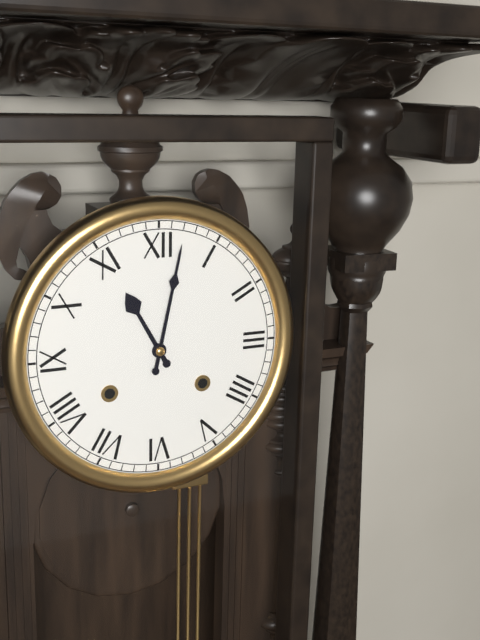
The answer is h=11 m=2
